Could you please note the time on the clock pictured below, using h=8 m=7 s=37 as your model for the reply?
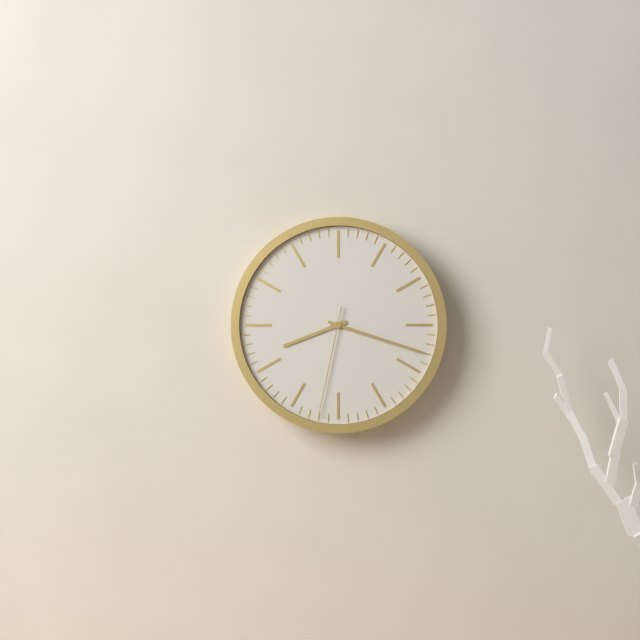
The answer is h=8 m=18 s=32
